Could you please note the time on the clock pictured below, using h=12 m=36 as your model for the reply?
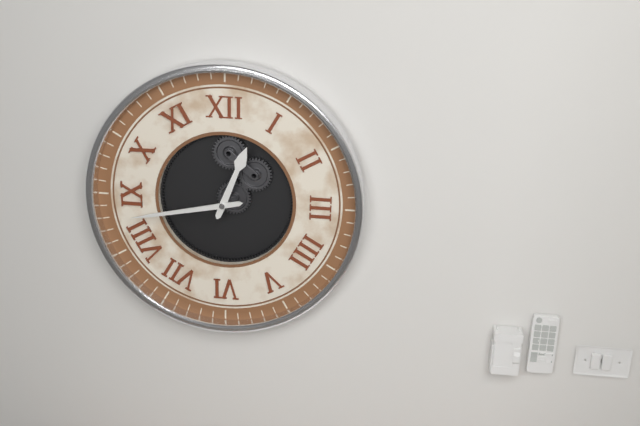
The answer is h=12 m=43
